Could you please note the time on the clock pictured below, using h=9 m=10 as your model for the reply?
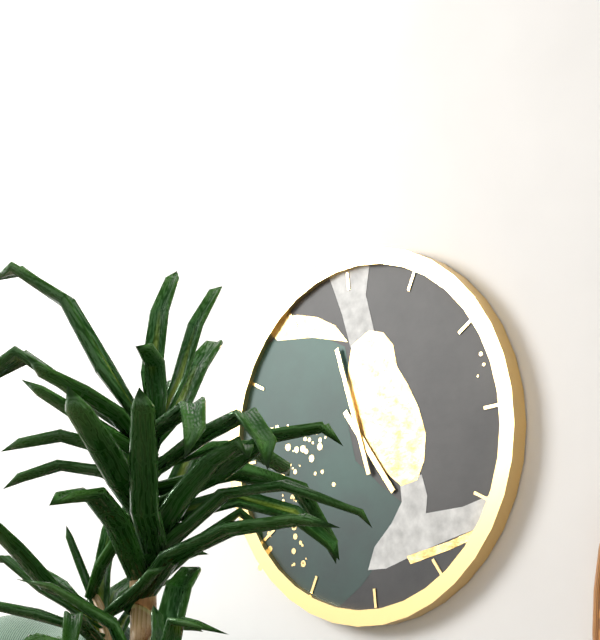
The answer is h=4 m=58
